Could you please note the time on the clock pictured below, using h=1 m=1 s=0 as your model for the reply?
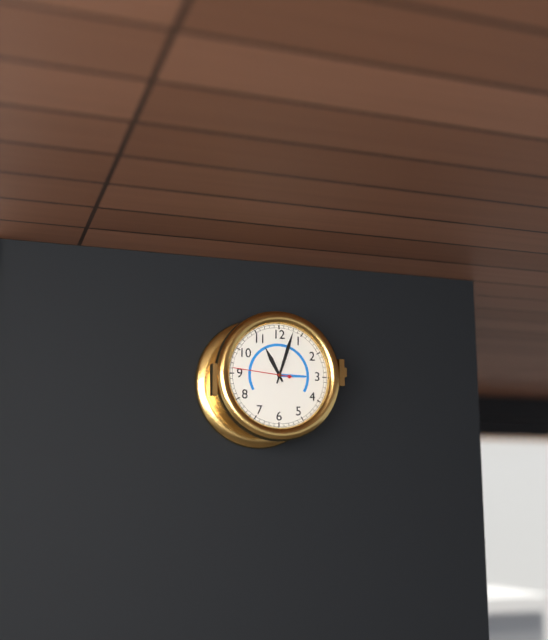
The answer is h=11 m=3 s=46
